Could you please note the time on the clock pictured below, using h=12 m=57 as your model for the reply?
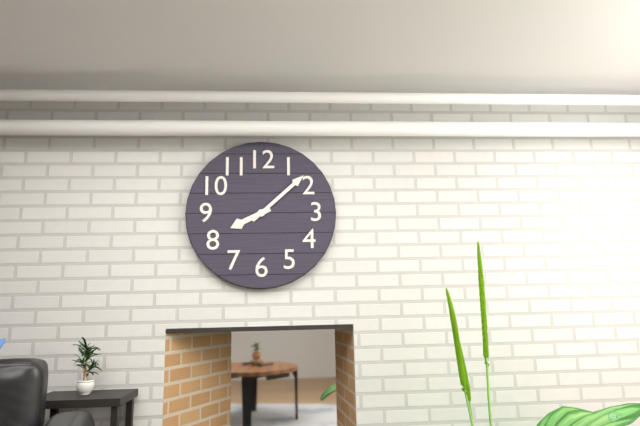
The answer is h=8 m=8
